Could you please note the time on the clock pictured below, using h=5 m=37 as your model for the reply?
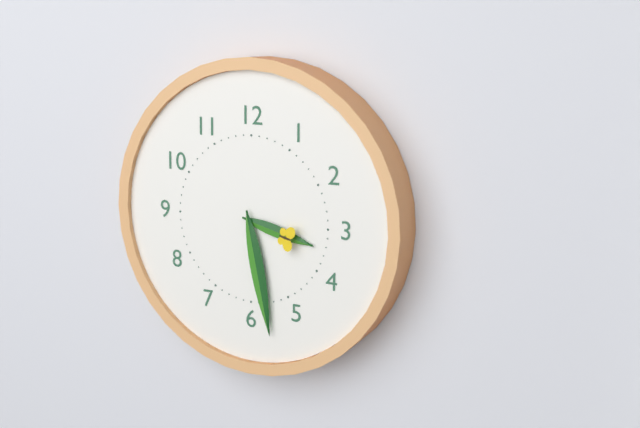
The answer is h=3 m=28
